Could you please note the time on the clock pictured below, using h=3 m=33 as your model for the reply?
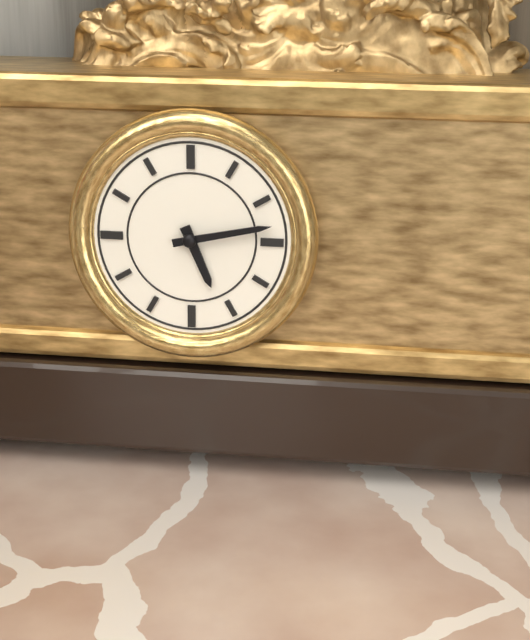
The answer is h=5 m=13
